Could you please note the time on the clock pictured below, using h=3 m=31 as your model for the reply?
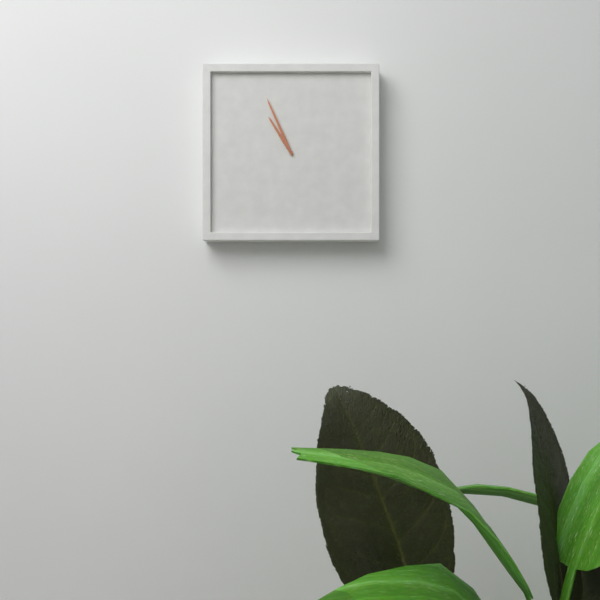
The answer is h=10 m=56
